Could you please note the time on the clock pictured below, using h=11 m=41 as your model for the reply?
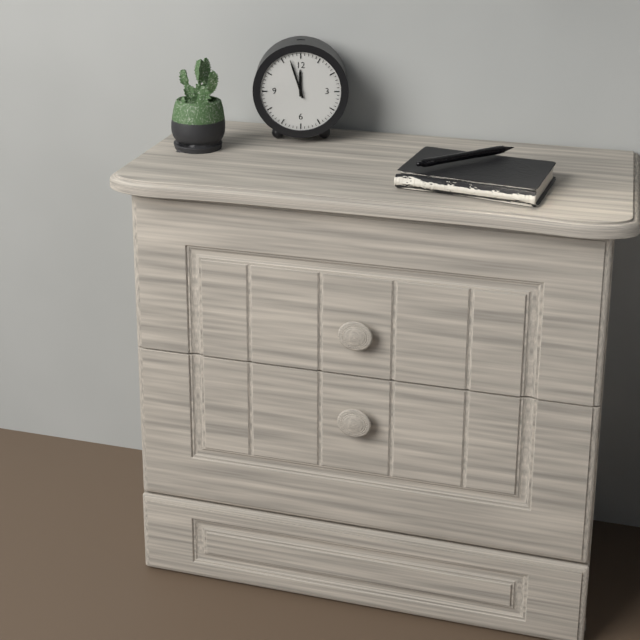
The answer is h=11 m=57
